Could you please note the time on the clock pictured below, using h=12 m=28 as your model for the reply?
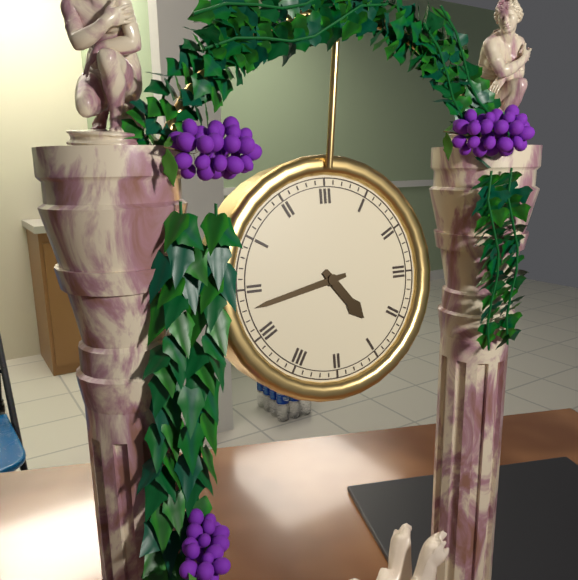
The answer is h=4 m=43
